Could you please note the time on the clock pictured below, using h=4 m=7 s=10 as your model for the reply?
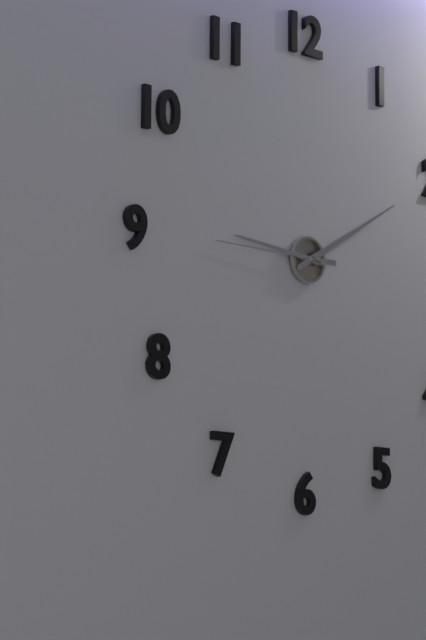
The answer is h=9 m=10 s=45
